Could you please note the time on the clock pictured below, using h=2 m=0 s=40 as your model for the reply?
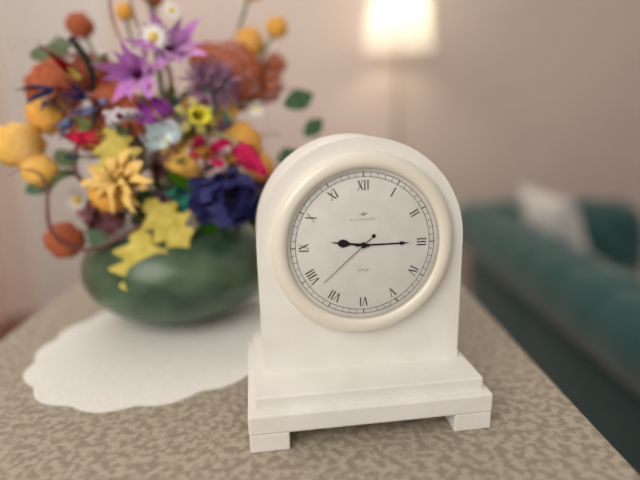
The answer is h=9 m=15 s=38
